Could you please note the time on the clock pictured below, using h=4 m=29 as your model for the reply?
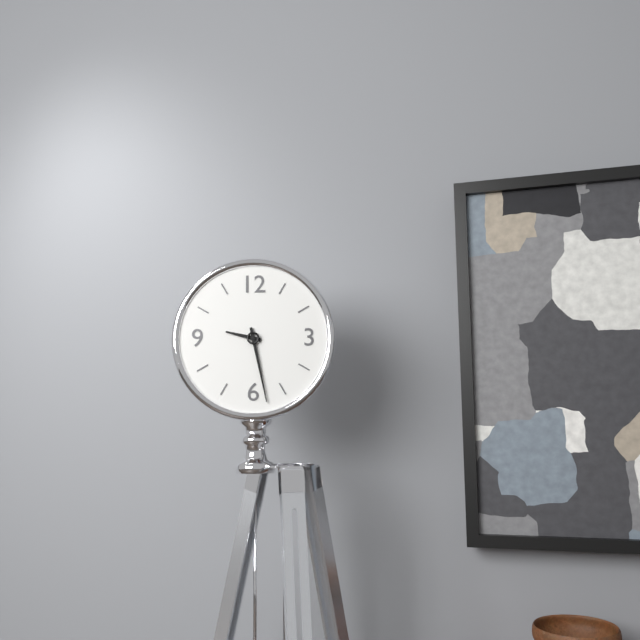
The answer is h=9 m=28
